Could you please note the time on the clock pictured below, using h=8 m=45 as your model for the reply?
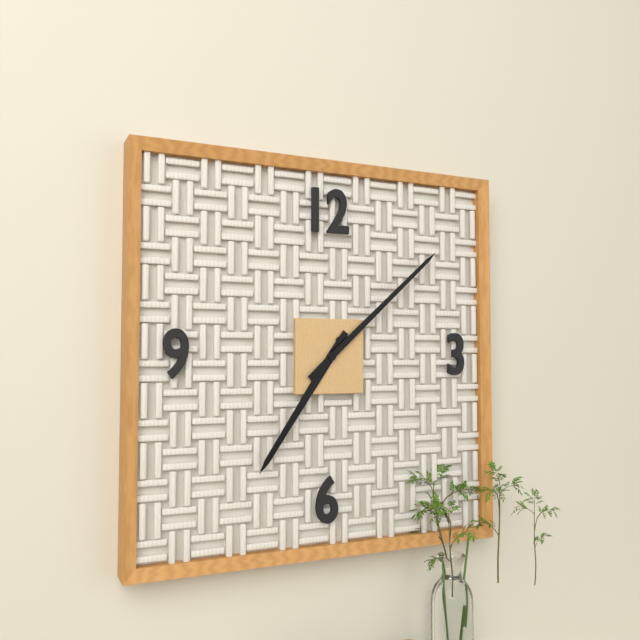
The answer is h=7 m=8
